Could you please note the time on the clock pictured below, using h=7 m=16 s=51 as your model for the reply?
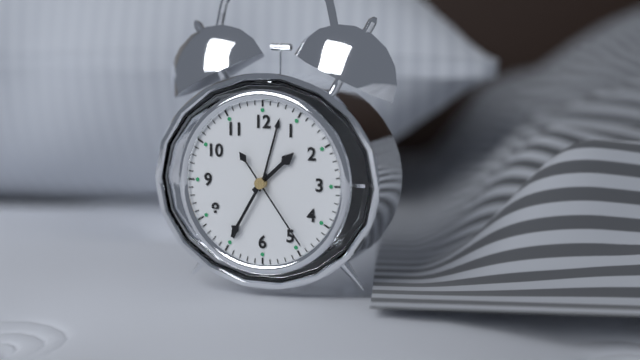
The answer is h=1 m=35 s=24
